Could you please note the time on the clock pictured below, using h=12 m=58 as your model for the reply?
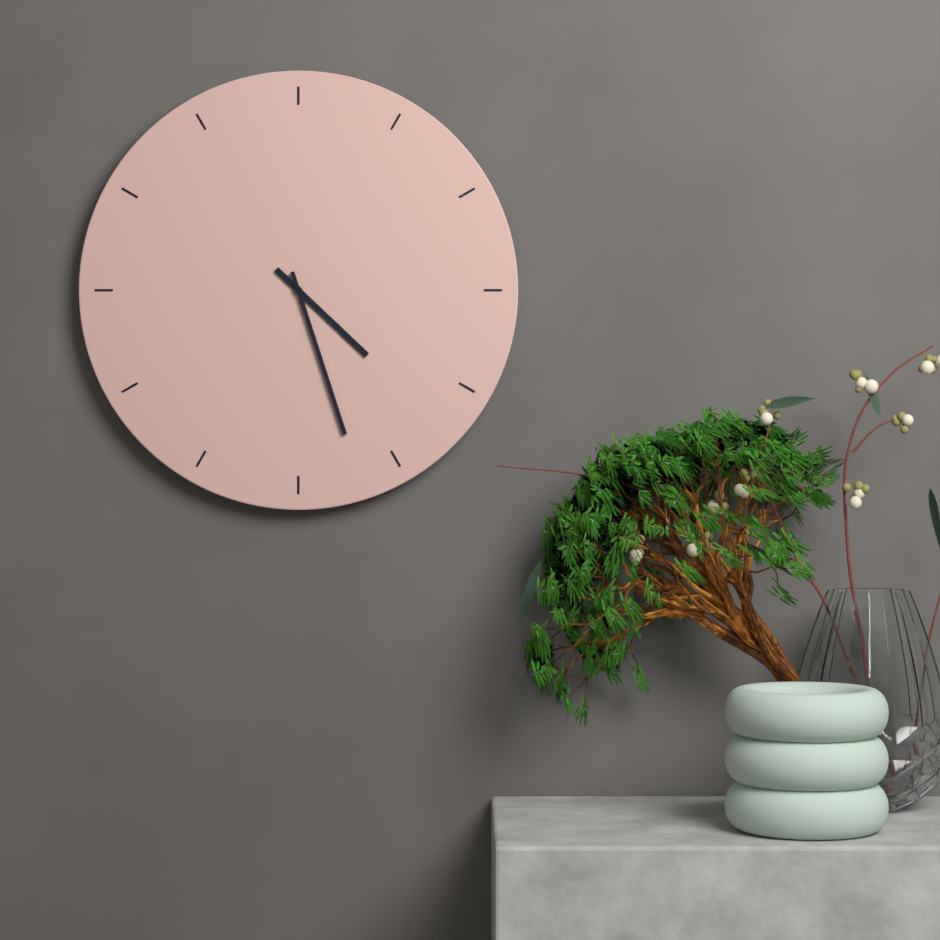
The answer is h=4 m=27
